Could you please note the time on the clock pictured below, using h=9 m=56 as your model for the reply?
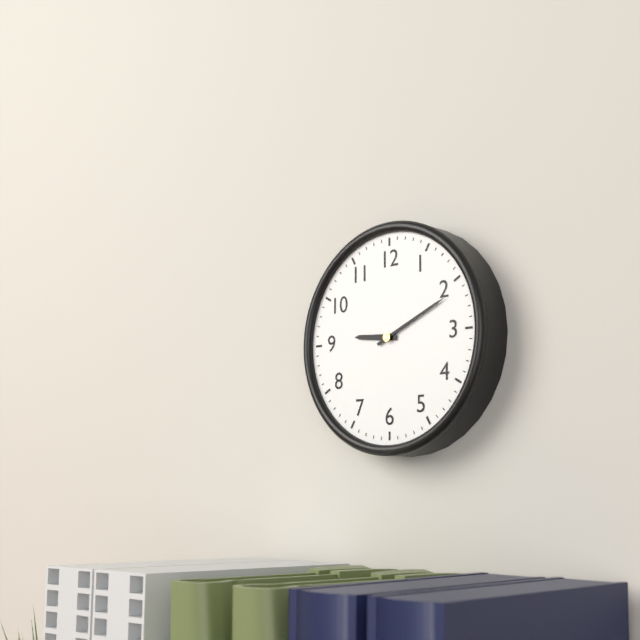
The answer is h=9 m=11
